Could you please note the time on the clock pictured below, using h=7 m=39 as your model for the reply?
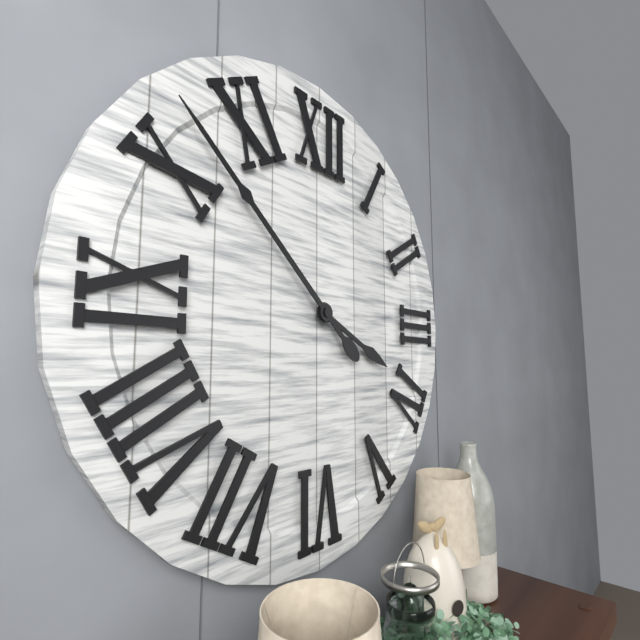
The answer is h=3 m=52
